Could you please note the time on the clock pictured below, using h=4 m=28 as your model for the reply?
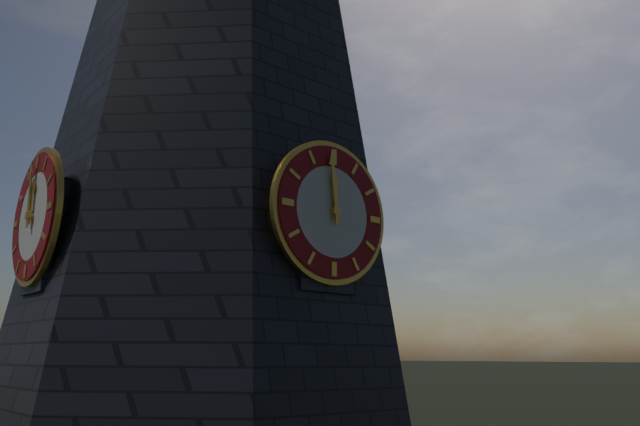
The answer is h=11 m=59
